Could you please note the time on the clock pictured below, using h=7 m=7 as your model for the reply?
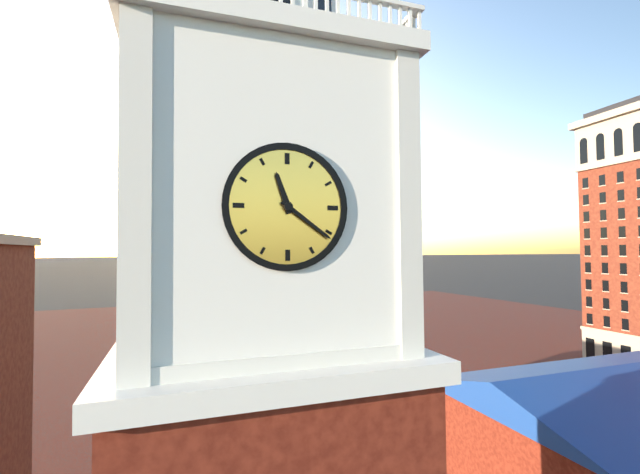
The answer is h=11 m=21
